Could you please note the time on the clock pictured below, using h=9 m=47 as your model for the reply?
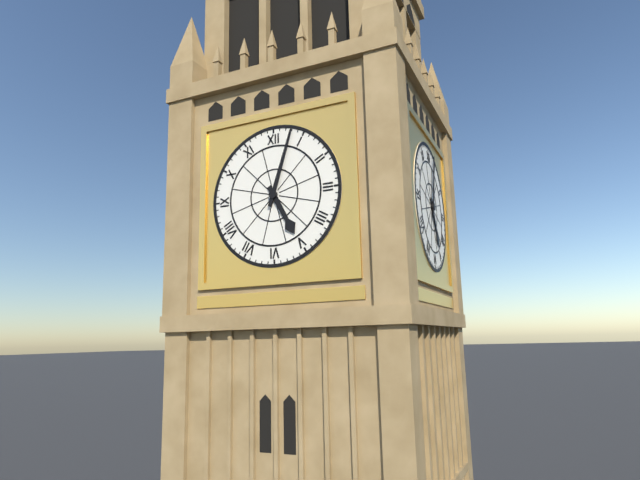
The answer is h=5 m=3
